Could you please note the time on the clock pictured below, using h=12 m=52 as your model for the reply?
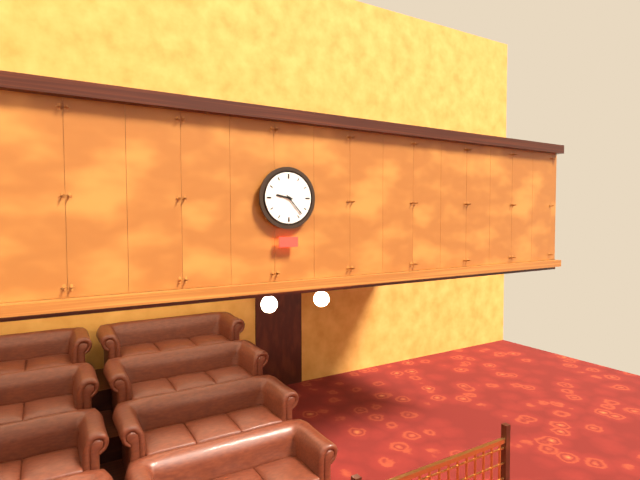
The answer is h=9 m=23
